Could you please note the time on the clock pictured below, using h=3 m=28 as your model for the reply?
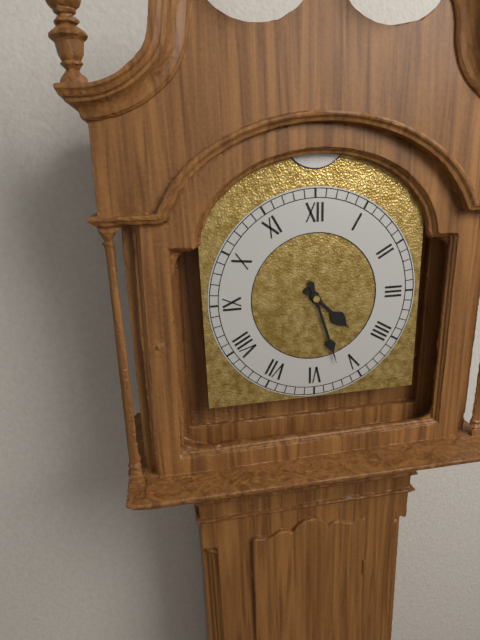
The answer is h=4 m=27
